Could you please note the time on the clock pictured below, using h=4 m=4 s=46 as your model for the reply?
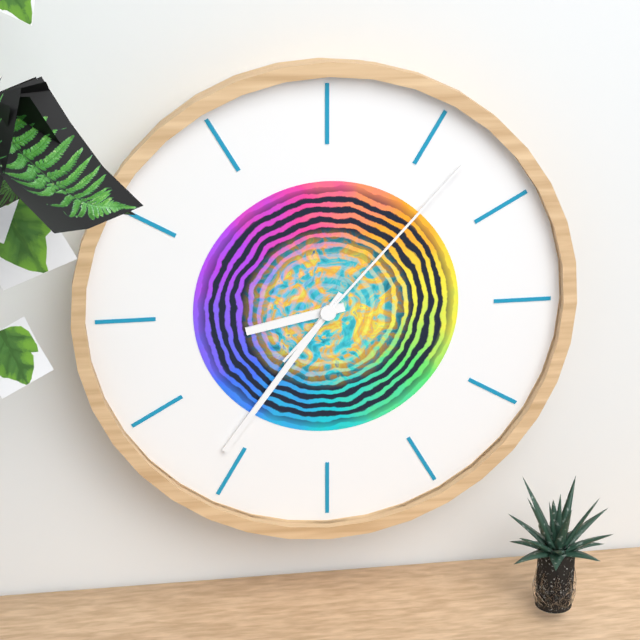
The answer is h=8 m=36 s=7
